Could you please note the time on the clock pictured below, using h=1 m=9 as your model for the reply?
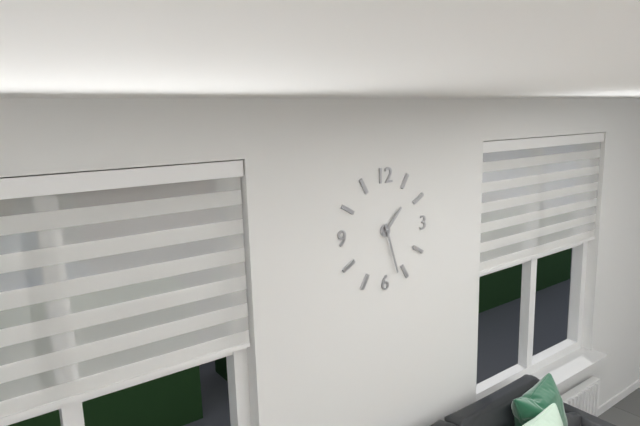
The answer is h=1 m=27
